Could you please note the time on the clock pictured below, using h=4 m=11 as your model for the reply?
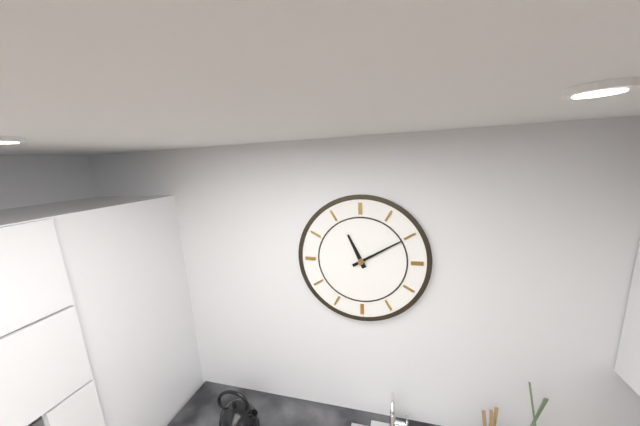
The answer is h=11 m=10
